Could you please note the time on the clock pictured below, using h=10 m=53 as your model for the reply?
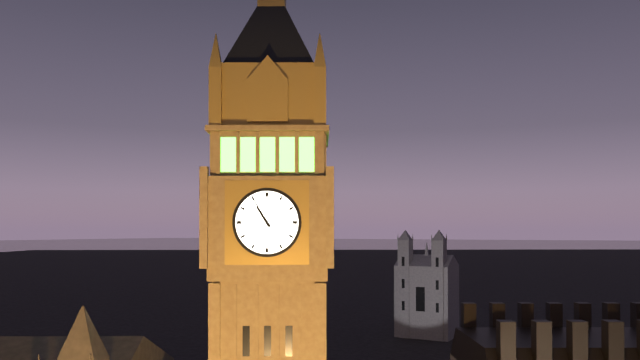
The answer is h=10 m=55
